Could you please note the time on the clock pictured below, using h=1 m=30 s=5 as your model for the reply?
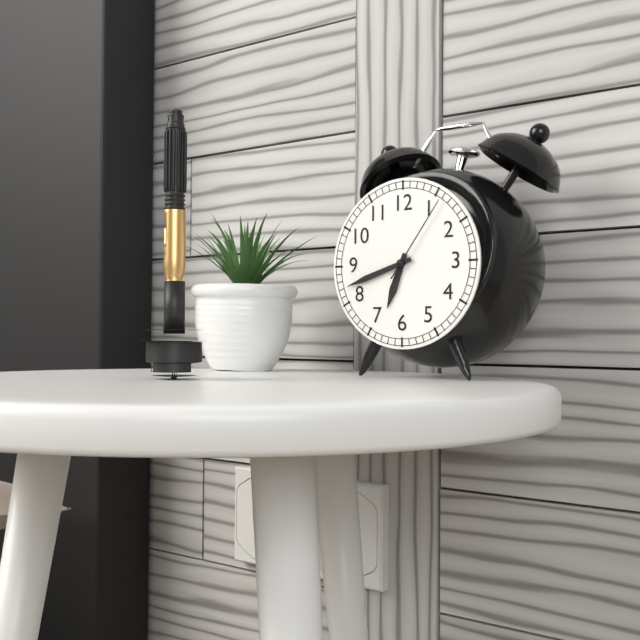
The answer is h=6 m=42 s=6
